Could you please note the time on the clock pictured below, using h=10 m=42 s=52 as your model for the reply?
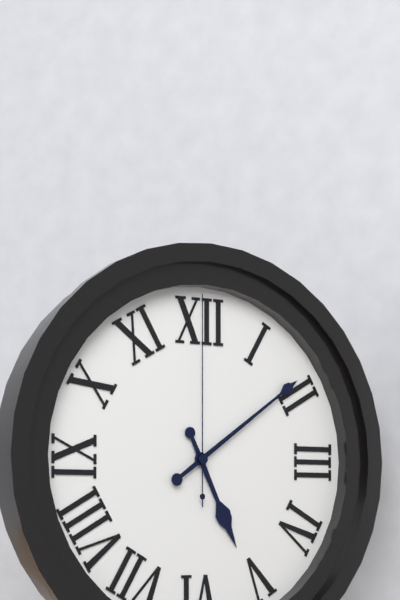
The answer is h=5 m=9 s=0
